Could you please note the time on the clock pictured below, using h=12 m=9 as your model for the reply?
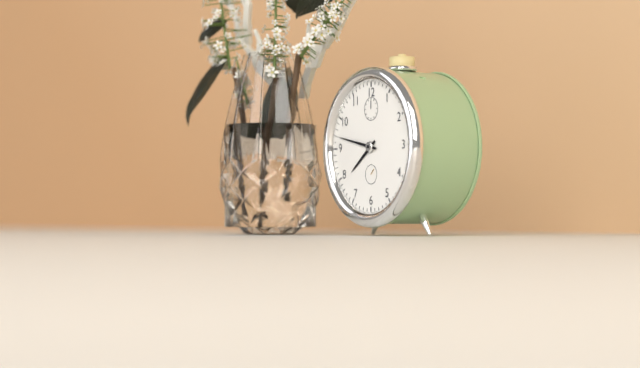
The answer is h=7 m=47
